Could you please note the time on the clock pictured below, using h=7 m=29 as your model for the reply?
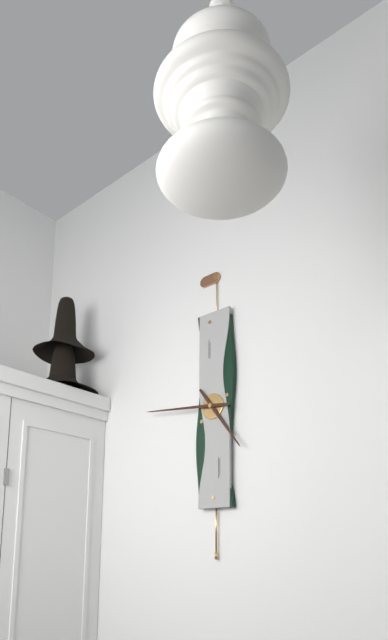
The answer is h=4 m=46
